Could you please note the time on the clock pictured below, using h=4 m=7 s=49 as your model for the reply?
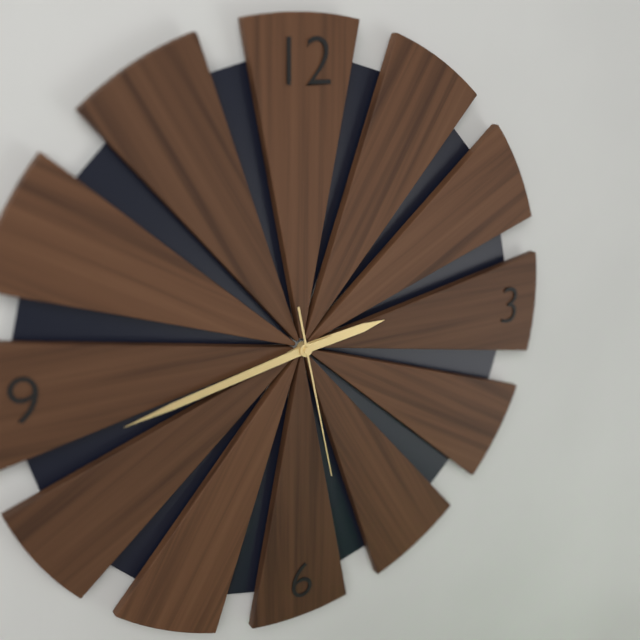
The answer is h=2 m=43 s=28
